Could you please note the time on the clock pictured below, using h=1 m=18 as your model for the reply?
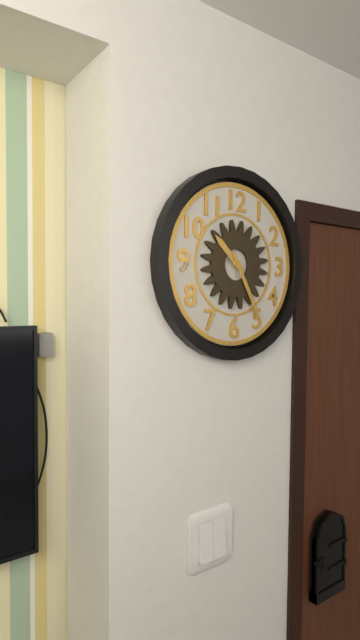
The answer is h=10 m=25
